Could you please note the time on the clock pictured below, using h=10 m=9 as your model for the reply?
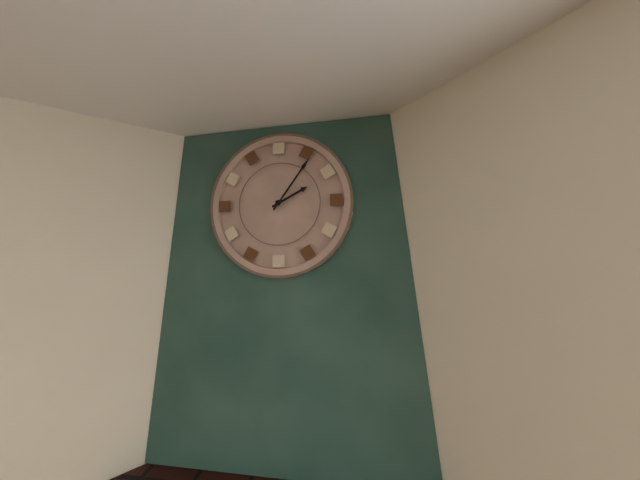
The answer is h=2 m=6
